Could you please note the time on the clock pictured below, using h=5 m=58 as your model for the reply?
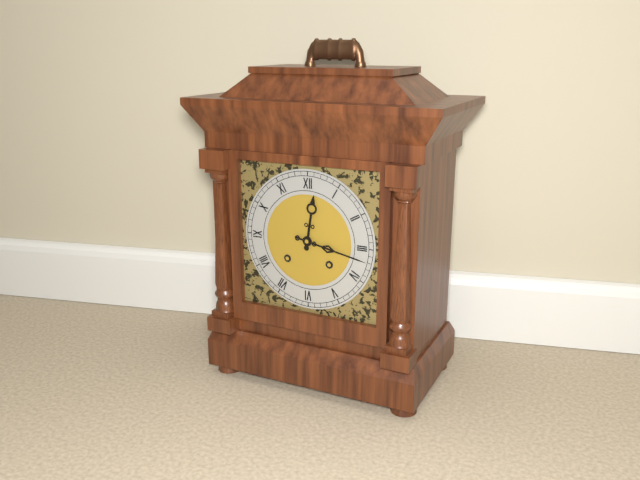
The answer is h=12 m=17
